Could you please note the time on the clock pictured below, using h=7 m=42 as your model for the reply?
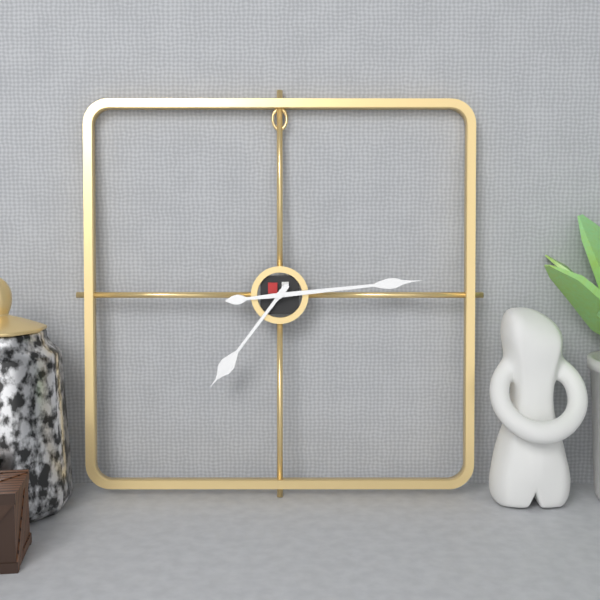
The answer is h=7 m=14
